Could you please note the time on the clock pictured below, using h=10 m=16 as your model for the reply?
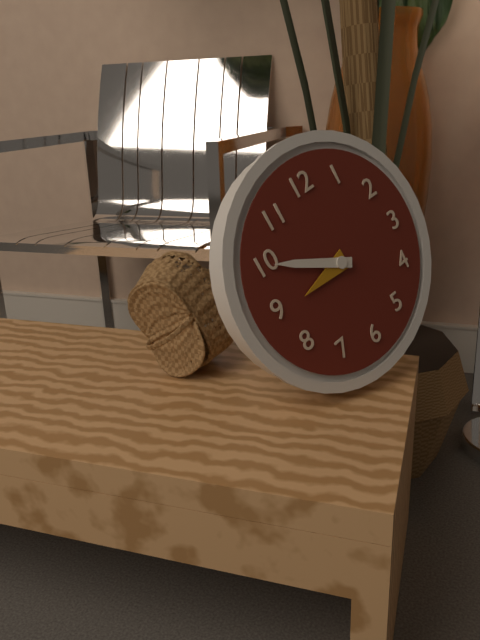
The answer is h=8 m=50
